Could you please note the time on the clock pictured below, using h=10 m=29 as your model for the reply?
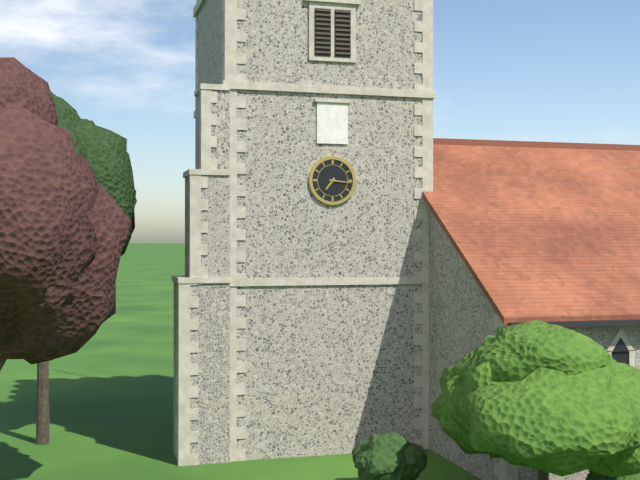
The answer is h=7 m=16
